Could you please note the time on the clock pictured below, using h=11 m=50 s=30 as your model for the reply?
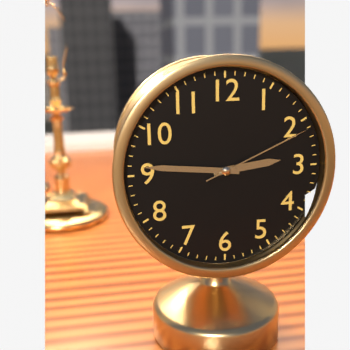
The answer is h=2 m=46 s=11
